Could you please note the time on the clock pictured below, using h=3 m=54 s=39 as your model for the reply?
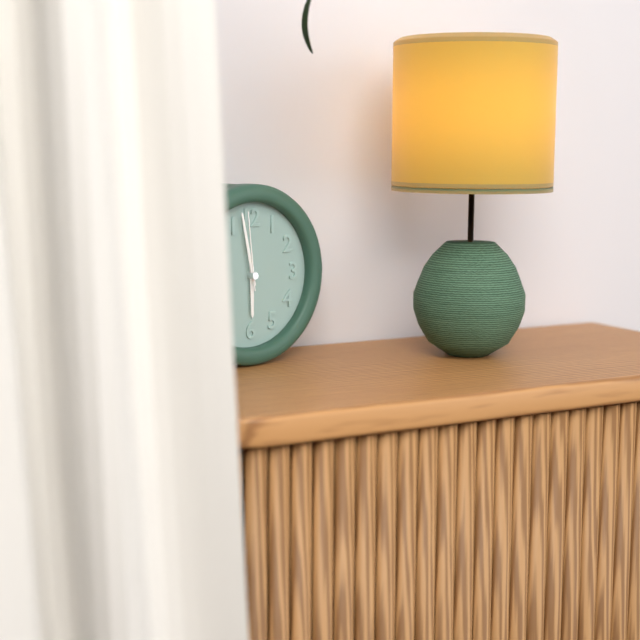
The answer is h=5 m=58 s=59
